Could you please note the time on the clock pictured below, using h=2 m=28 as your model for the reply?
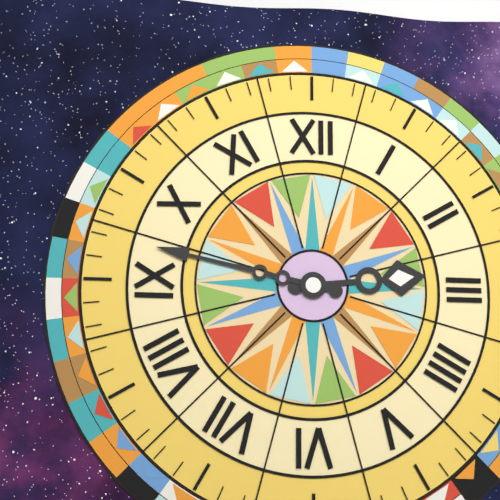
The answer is h=2 m=47
